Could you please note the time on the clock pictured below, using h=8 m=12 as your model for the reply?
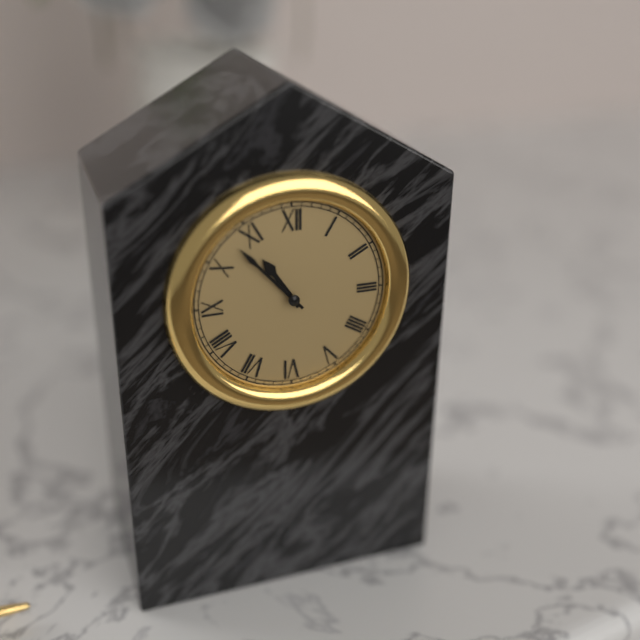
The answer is h=10 m=53
